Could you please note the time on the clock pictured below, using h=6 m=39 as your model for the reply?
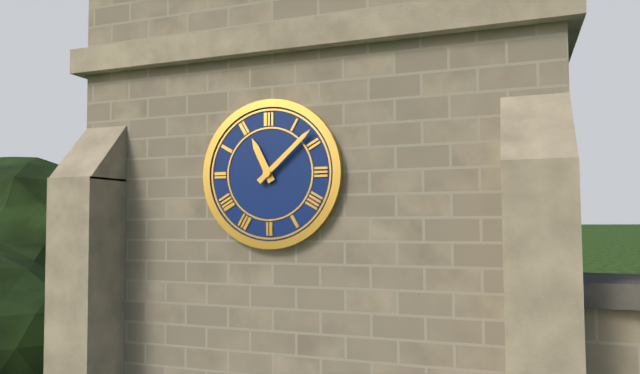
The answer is h=11 m=8
